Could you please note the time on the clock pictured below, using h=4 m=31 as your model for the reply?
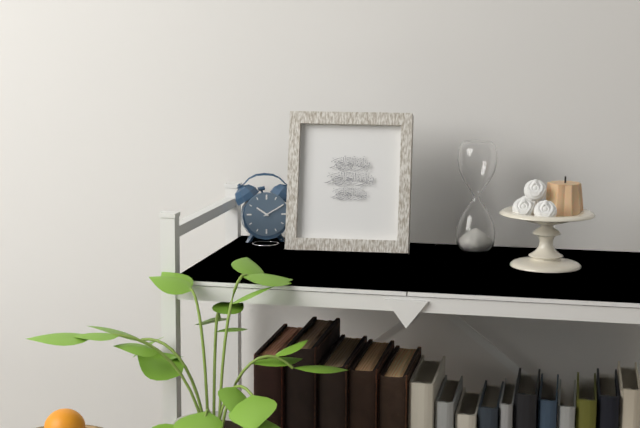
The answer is h=10 m=10
